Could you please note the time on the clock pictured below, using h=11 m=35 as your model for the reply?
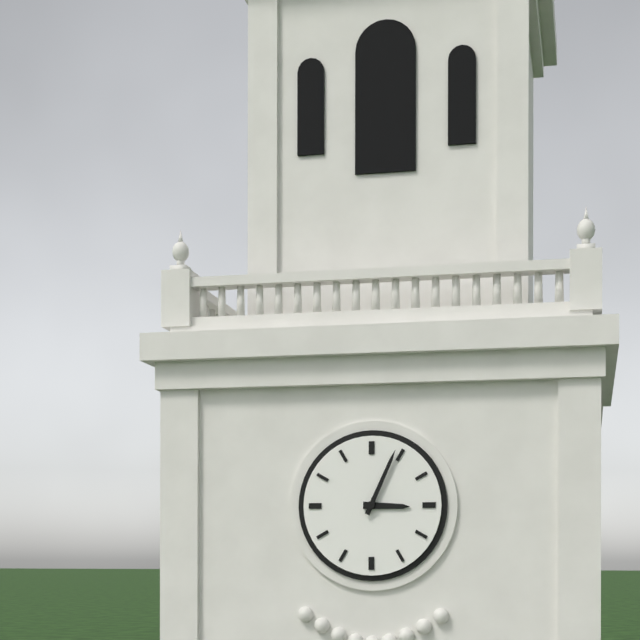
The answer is h=3 m=4
